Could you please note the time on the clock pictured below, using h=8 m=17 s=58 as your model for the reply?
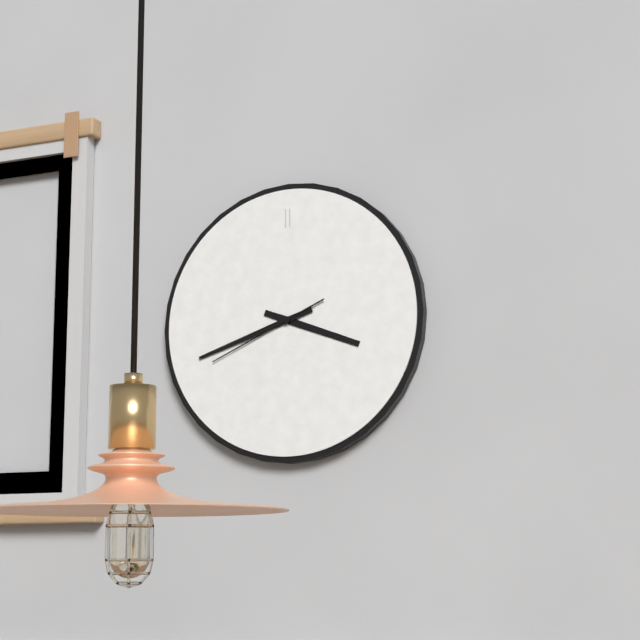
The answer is h=3 m=42 s=41
